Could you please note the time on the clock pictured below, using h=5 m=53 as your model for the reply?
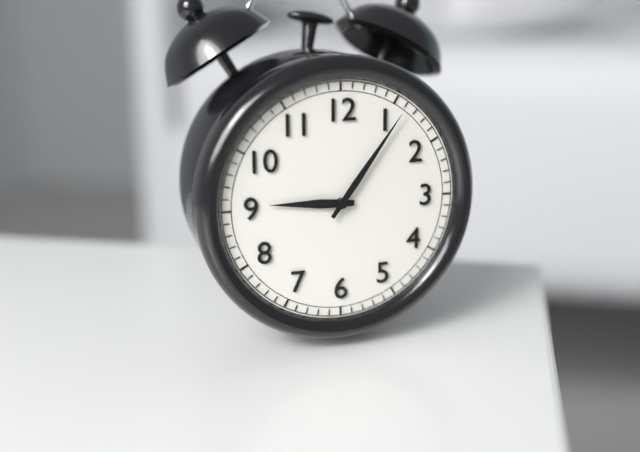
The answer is h=9 m=6
